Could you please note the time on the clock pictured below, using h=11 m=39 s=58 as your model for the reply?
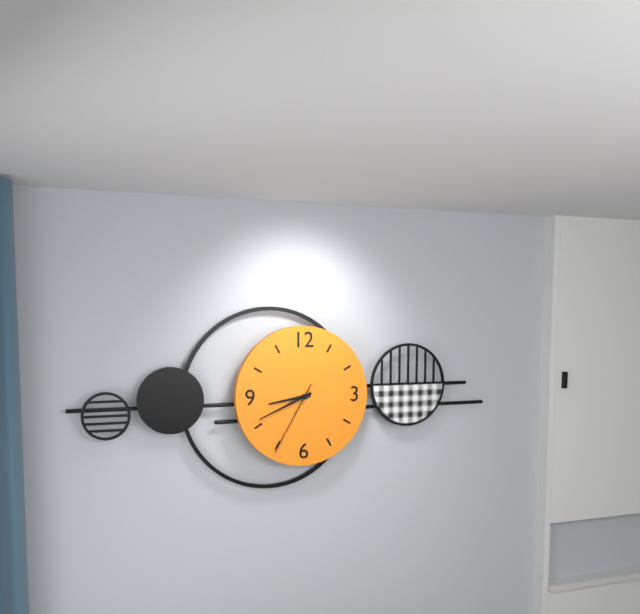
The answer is h=8 m=41 s=35
